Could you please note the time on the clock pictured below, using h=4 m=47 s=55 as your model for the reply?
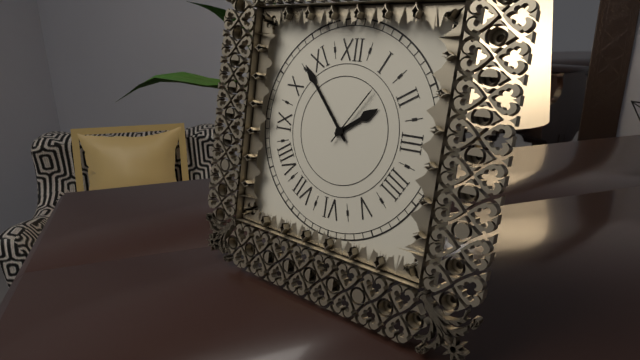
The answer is h=1 m=53 s=6
